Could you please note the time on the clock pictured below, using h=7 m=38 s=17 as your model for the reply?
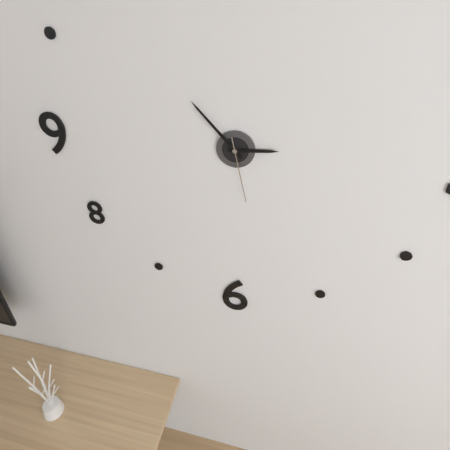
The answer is h=2 m=53 s=28
